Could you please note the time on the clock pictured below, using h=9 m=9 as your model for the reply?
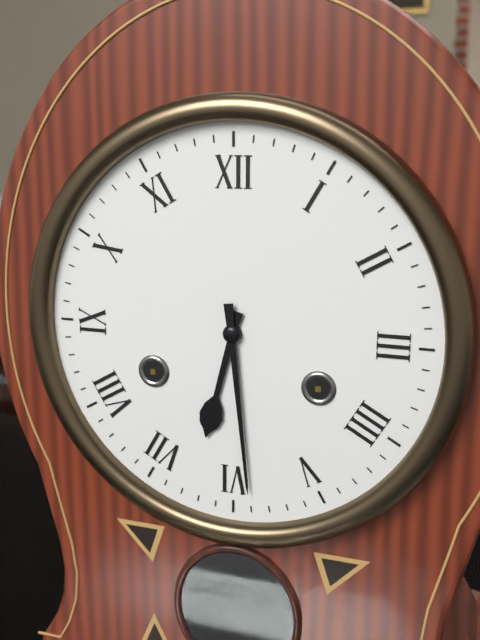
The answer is h=6 m=29
